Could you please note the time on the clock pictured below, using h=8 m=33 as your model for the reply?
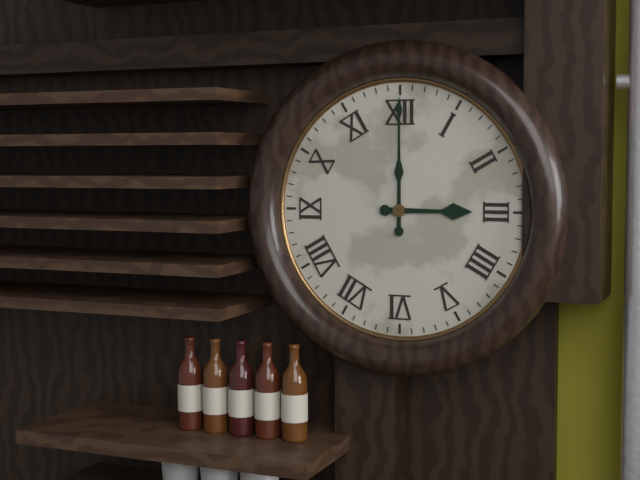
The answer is h=3 m=0
